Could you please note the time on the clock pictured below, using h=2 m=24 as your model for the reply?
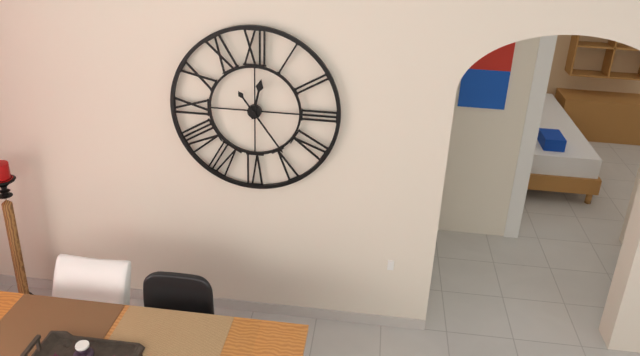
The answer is h=12 m=24
